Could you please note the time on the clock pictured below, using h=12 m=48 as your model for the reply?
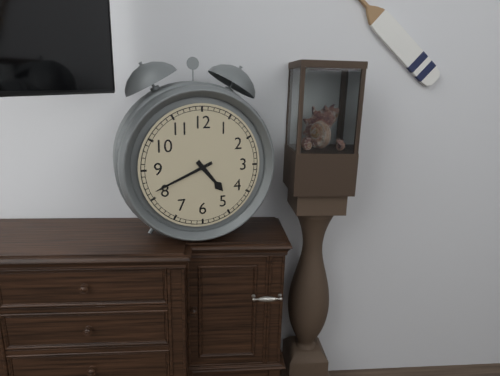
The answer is h=4 m=41
